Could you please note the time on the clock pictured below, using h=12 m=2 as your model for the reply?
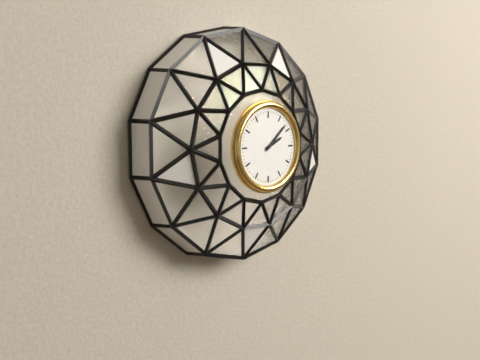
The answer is h=2 m=8
